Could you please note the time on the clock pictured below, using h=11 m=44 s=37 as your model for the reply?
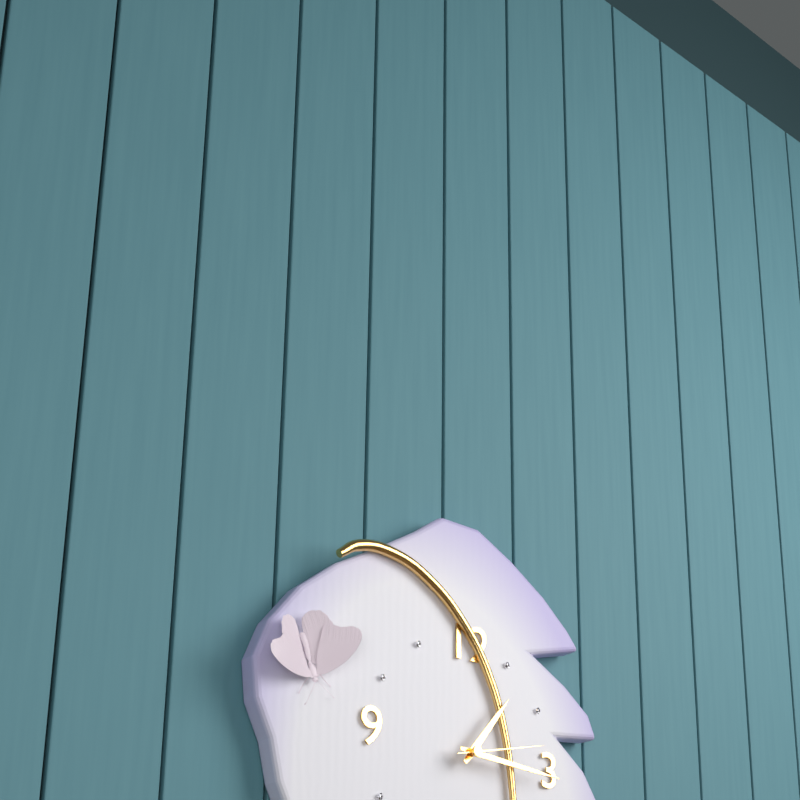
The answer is h=1 m=16 s=13
